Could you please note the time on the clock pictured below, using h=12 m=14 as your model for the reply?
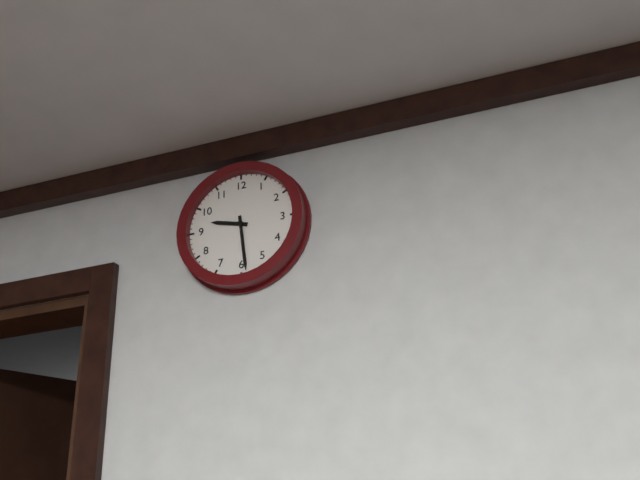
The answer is h=9 m=29
